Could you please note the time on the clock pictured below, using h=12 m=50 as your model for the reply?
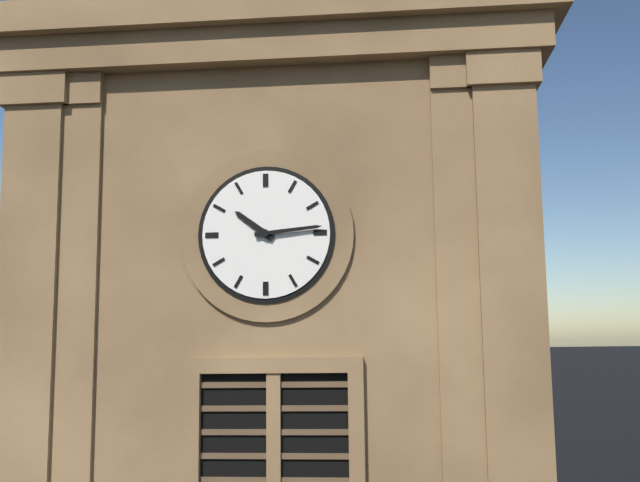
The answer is h=10 m=14
